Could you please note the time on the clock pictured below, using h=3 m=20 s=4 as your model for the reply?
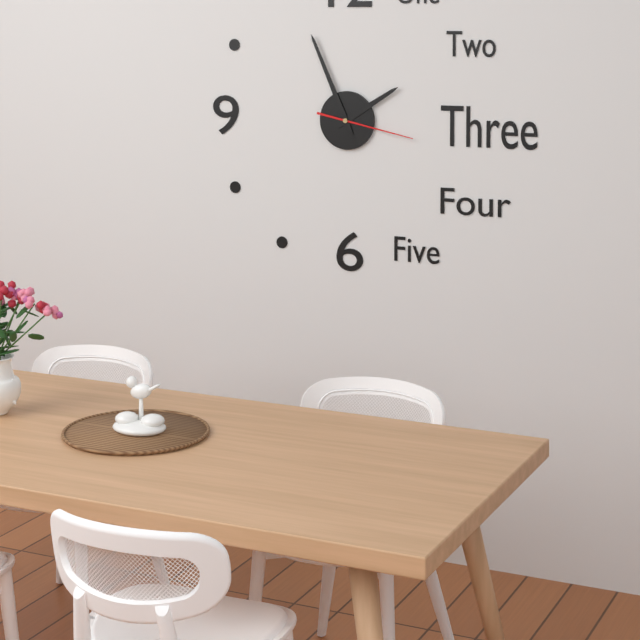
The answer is h=1 m=56 s=17
